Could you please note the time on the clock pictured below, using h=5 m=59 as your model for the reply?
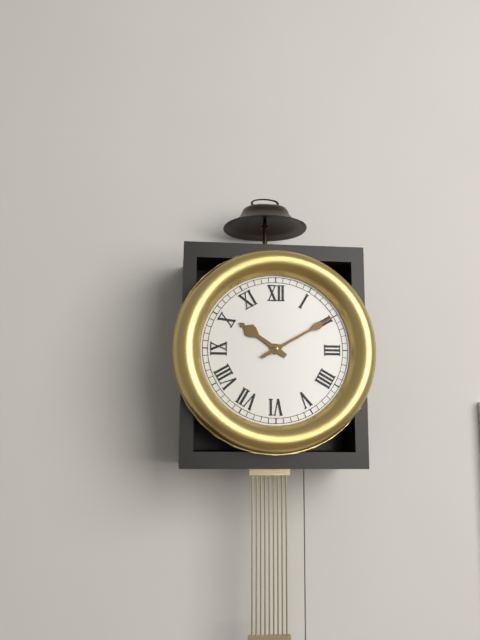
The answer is h=10 m=10
